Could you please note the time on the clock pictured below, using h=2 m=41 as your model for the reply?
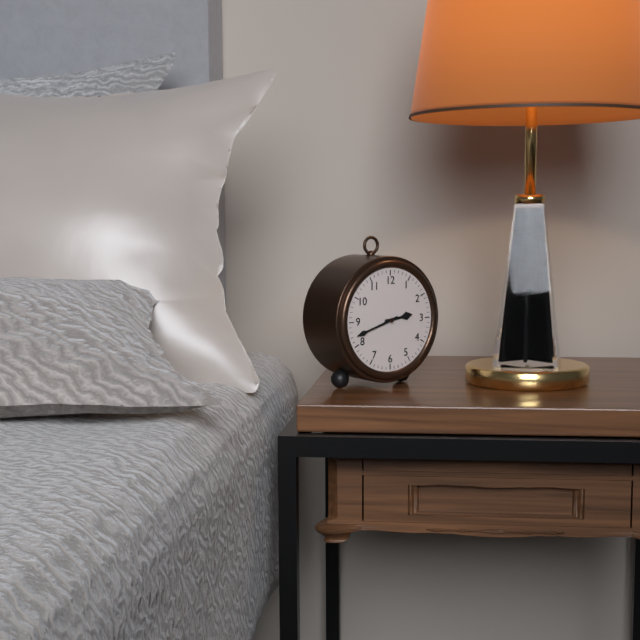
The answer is h=2 m=42
